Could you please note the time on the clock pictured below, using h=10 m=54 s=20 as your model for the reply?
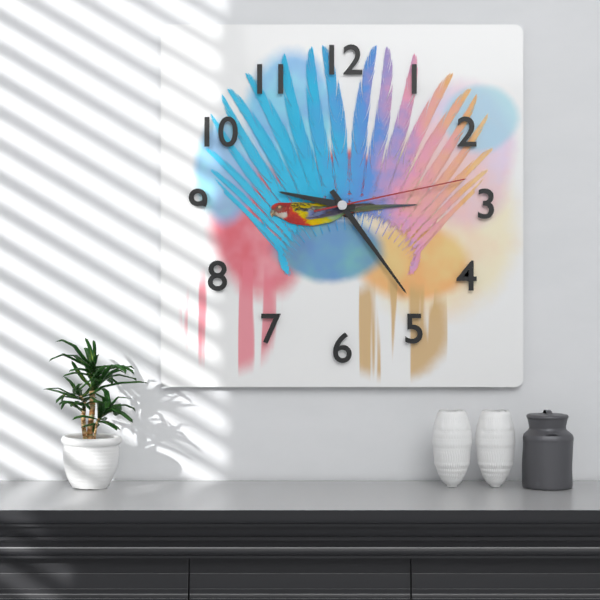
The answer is h=9 m=24 s=13
